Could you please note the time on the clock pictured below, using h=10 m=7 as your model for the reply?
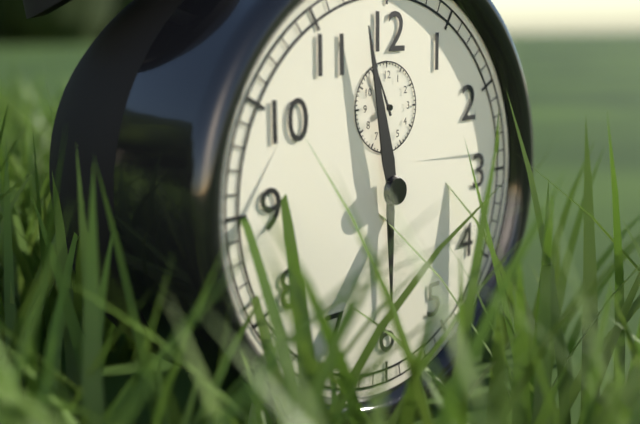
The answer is h=5 m=58
